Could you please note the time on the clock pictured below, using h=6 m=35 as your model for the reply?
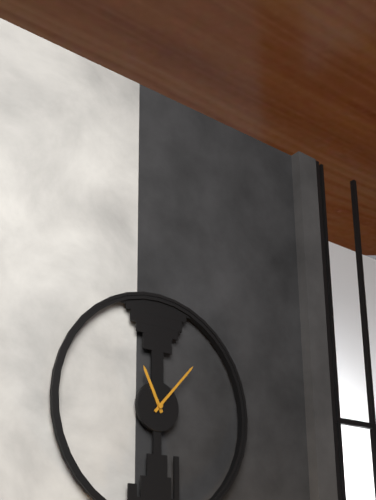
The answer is h=11 m=7
